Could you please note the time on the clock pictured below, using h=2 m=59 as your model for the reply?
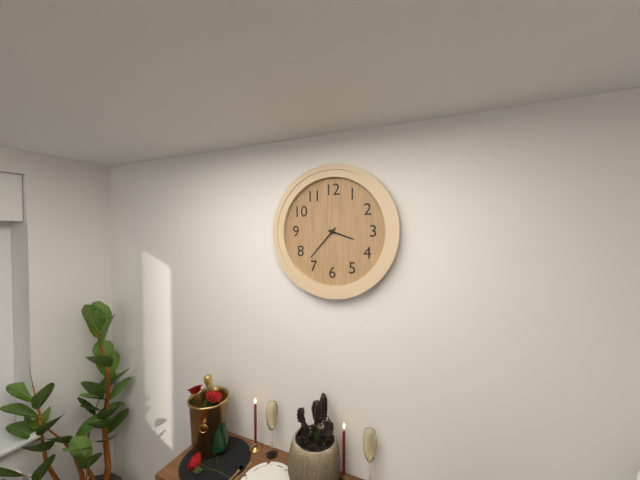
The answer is h=3 m=37
